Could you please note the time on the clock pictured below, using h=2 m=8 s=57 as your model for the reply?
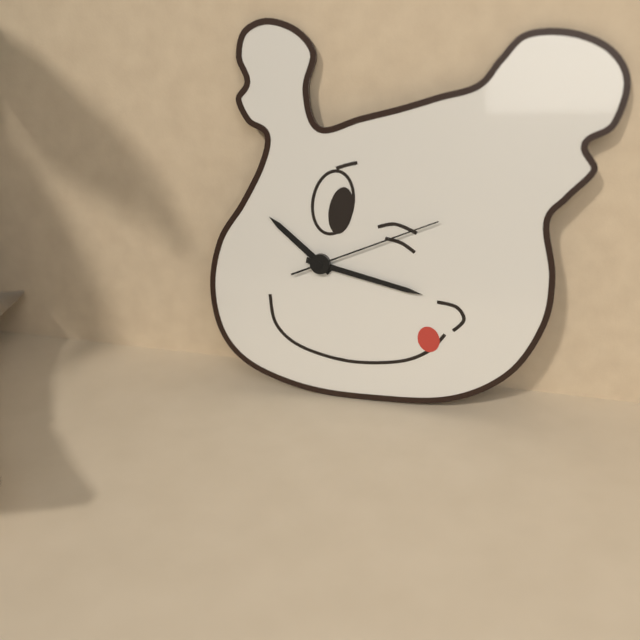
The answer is h=10 m=17 s=11
